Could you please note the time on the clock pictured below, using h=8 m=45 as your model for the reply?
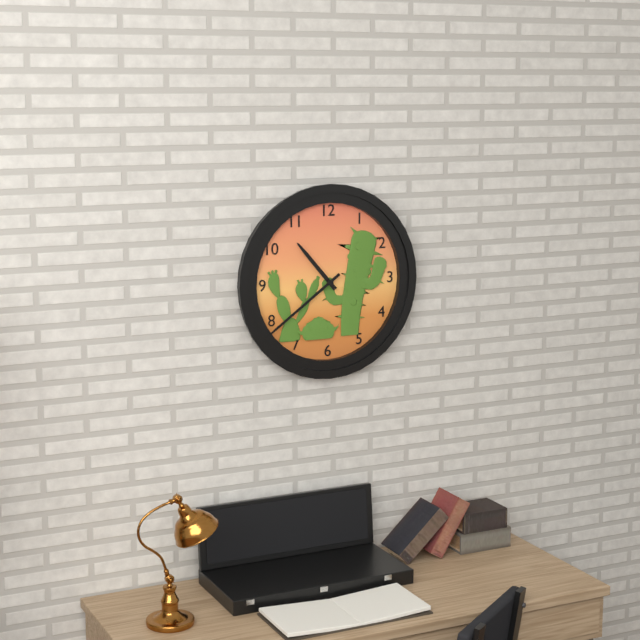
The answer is h=10 m=39
